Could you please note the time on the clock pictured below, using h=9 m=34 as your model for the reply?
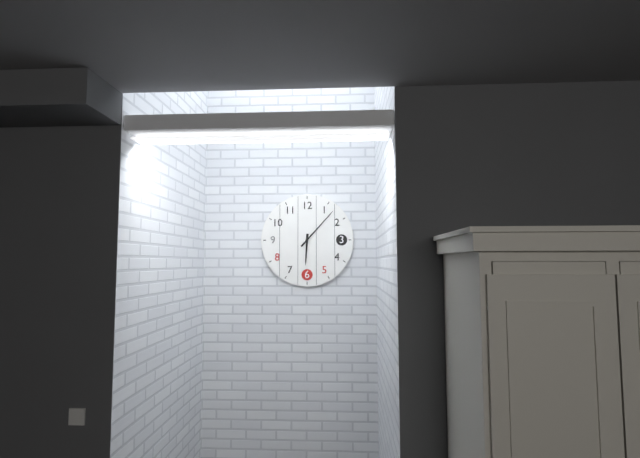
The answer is h=6 m=7
